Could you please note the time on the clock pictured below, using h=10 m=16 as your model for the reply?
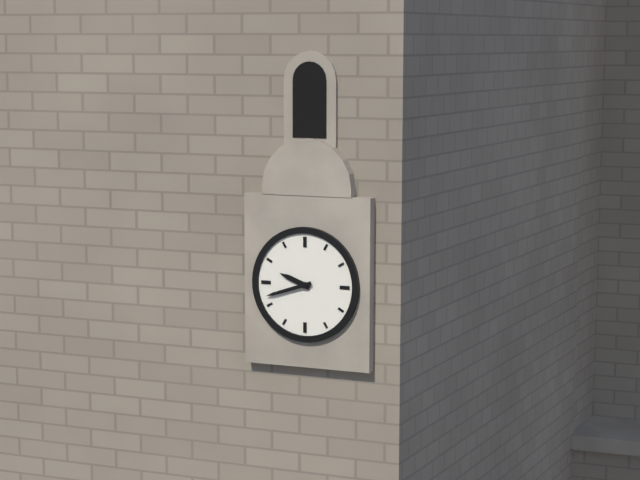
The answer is h=9 m=42
